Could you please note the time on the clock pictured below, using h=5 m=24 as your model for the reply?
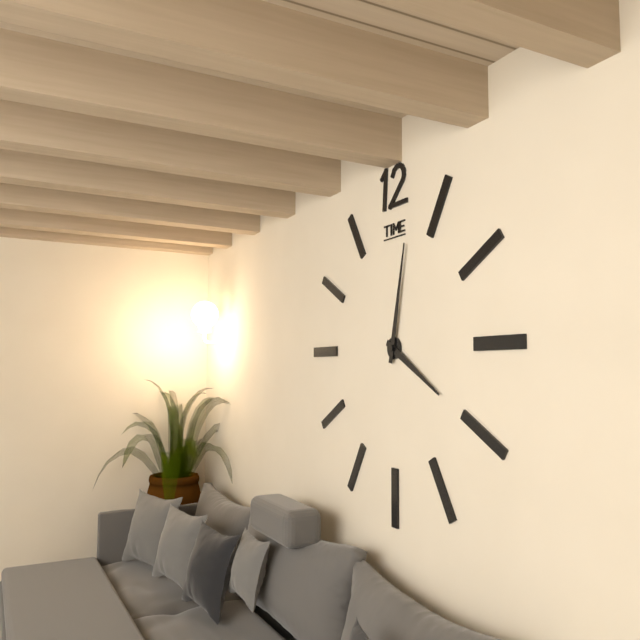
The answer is h=4 m=2
